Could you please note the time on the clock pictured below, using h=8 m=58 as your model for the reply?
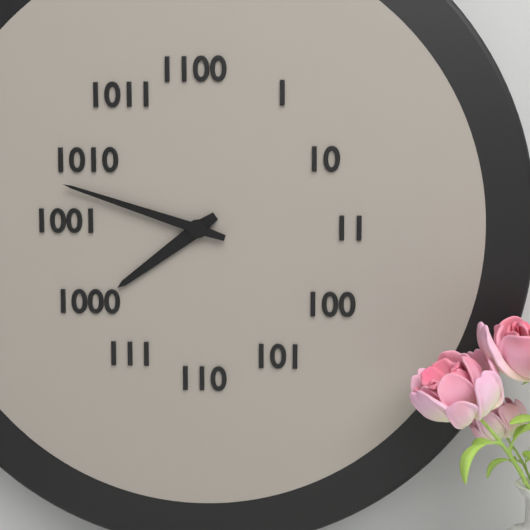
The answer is h=7 m=48
